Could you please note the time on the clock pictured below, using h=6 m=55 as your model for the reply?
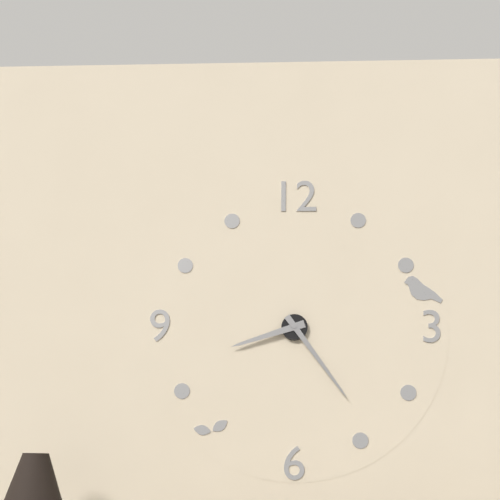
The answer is h=8 m=24
